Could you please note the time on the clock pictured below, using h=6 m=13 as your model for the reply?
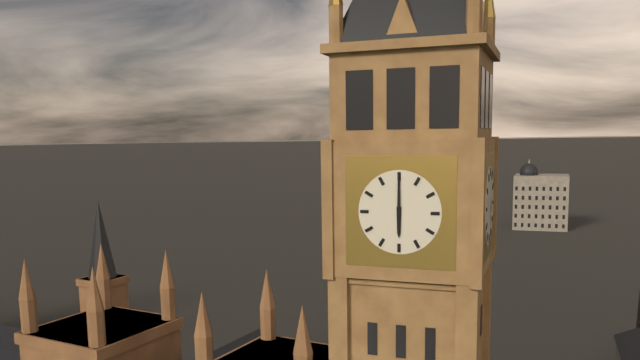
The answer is h=6 m=0
